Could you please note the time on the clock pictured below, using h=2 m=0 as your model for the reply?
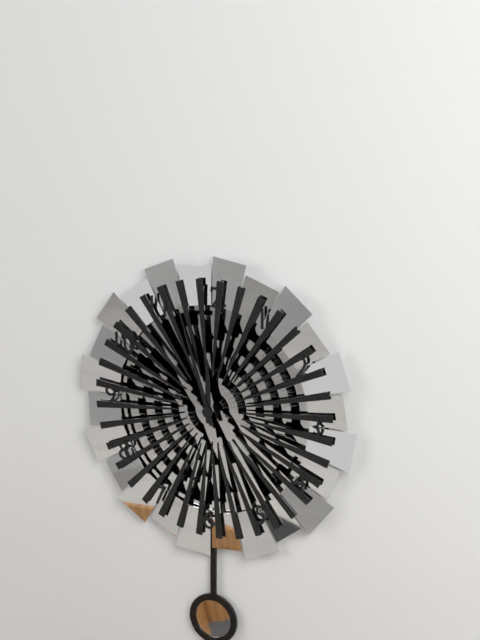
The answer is h=11 m=57
